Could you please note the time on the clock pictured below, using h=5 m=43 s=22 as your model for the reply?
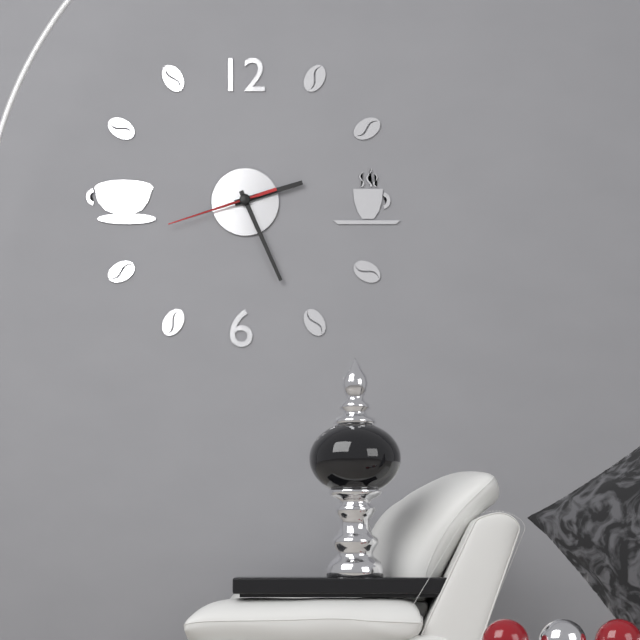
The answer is h=2 m=26 s=42
